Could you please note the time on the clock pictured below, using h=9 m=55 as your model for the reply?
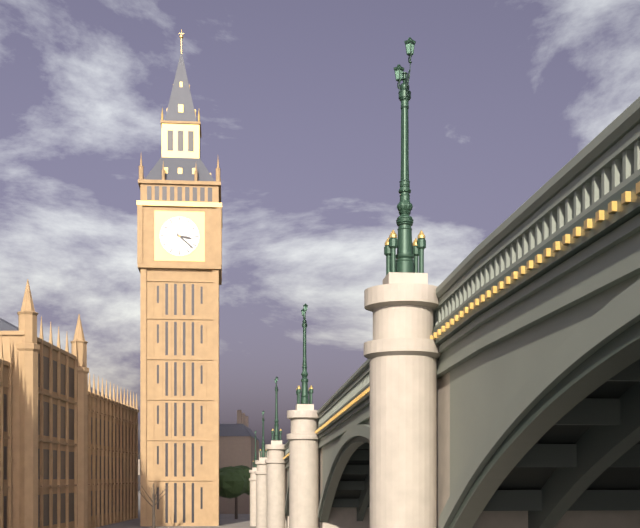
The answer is h=3 m=22
